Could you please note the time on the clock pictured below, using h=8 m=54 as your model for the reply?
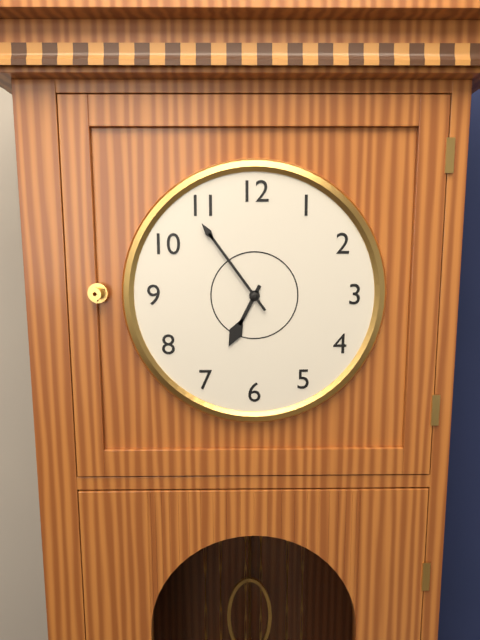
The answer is h=6 m=54
